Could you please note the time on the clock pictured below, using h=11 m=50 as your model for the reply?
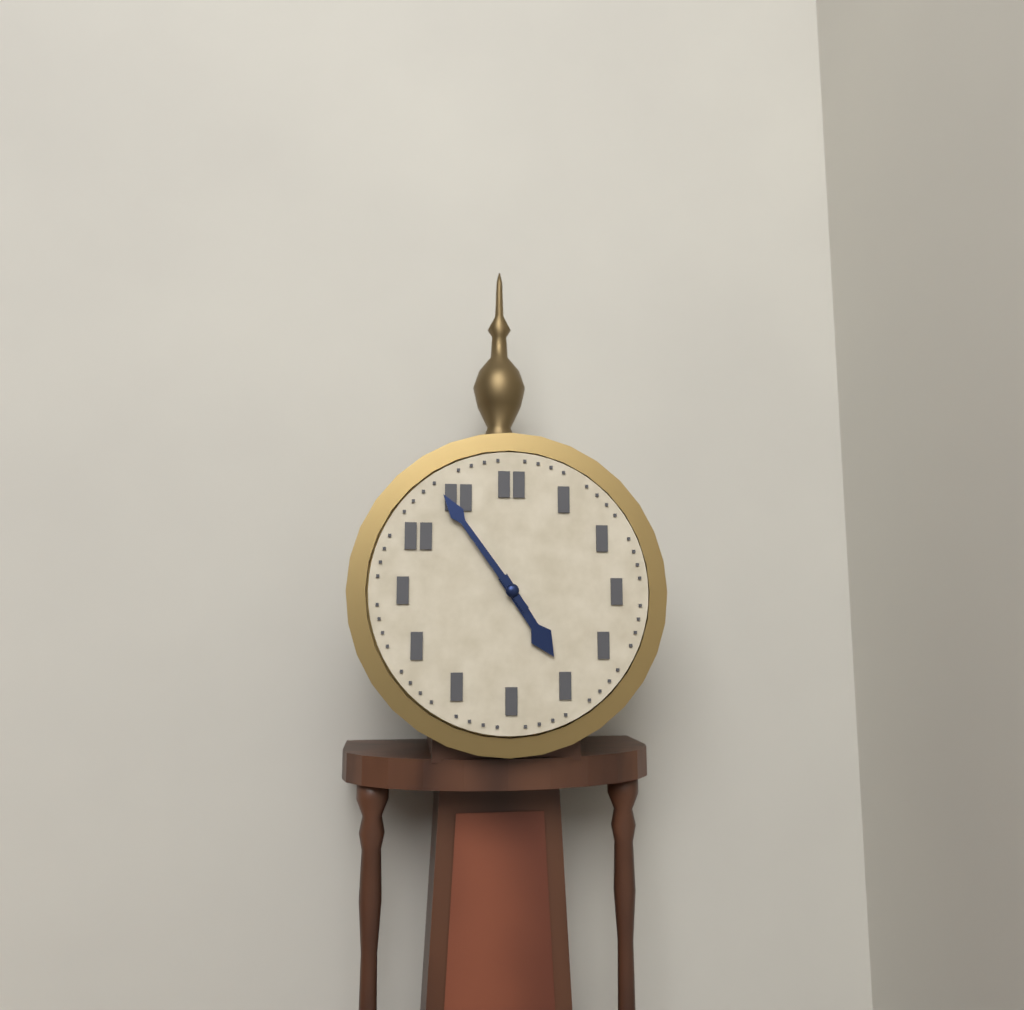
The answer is h=4 m=54
